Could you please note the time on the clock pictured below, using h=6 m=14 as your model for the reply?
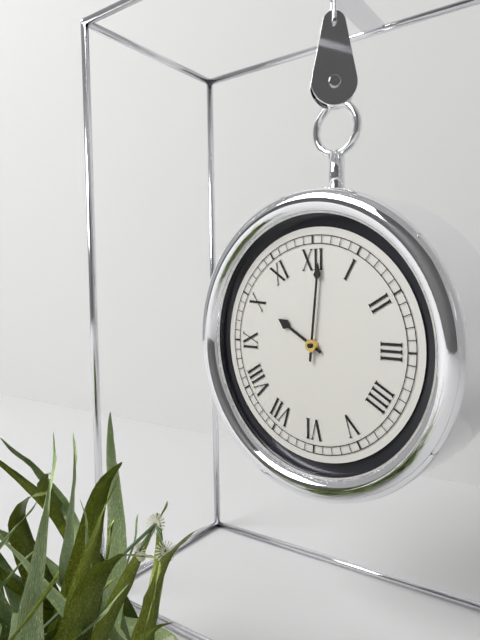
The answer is h=10 m=1
